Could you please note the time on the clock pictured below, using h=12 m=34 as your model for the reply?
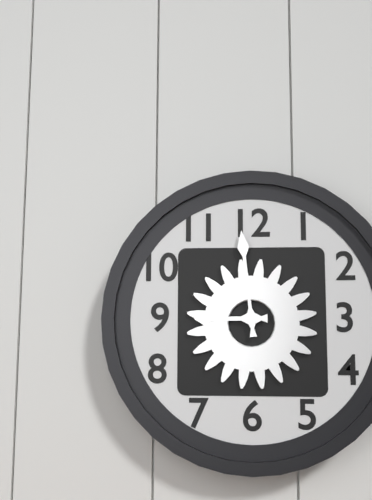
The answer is h=8 m=59
